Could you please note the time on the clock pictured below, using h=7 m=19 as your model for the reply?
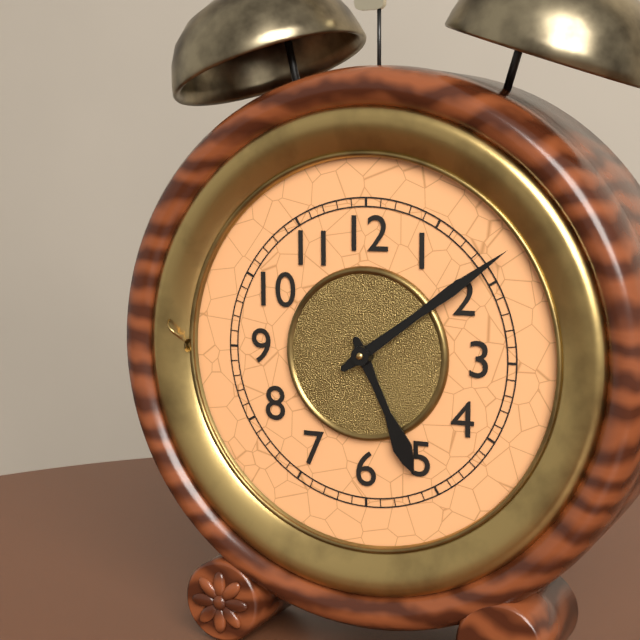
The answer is h=5 m=9
